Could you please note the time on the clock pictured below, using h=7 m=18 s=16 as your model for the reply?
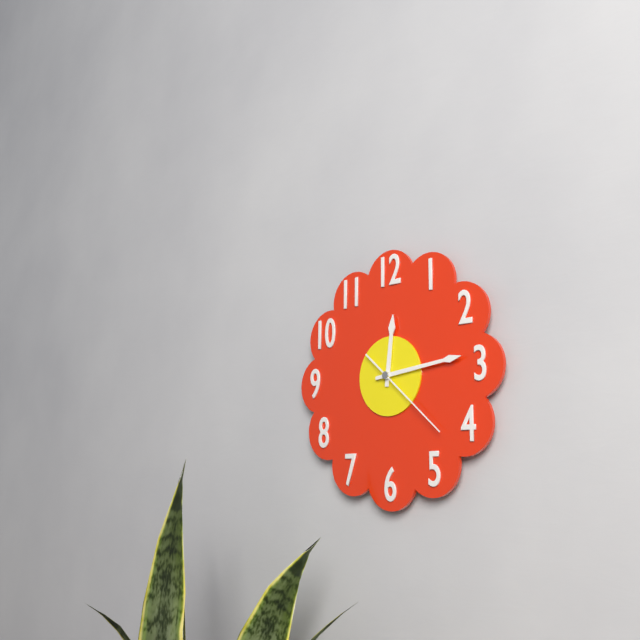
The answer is h=12 m=14 s=22
